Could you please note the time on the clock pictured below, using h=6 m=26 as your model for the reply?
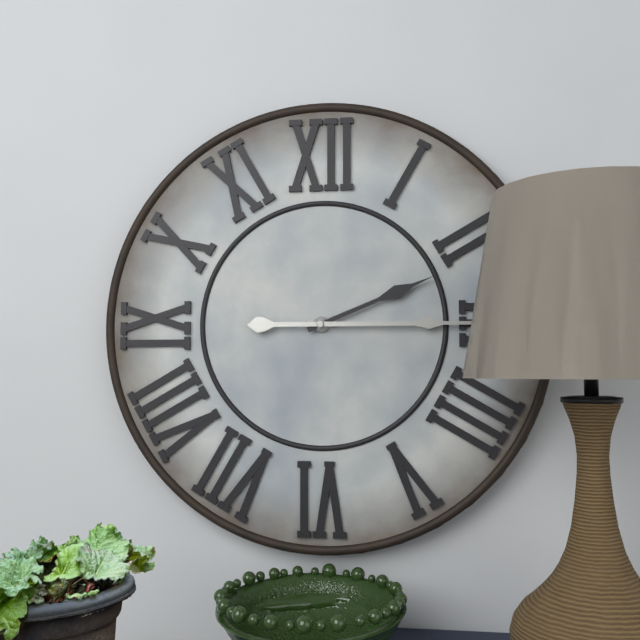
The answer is h=2 m=15
